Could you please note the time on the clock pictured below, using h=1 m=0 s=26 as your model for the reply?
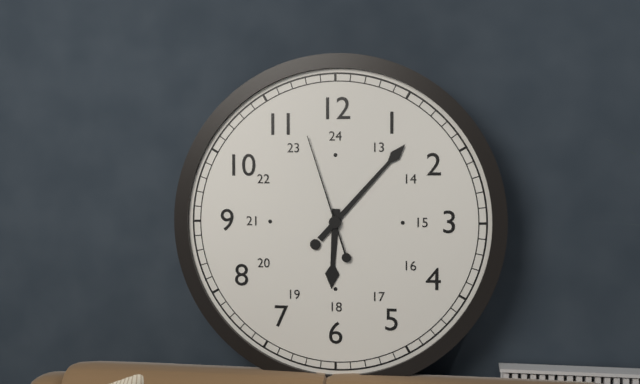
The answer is h=6 m=7 s=57
